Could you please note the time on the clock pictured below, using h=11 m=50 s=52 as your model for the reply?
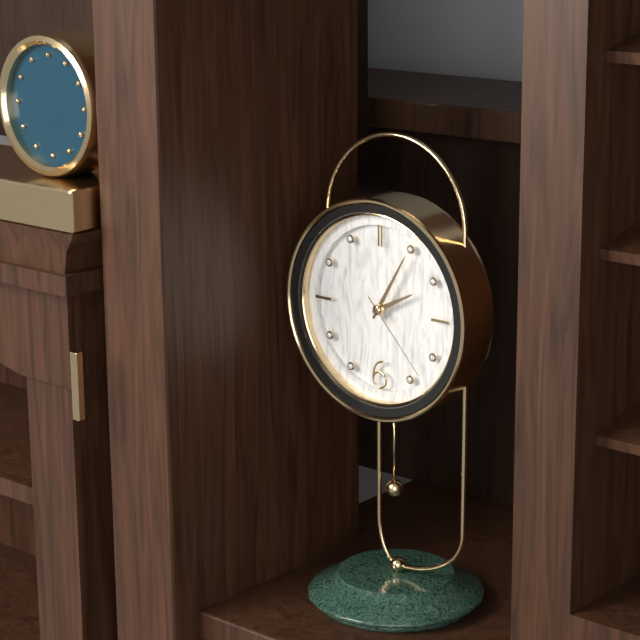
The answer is h=2 m=5 s=23
